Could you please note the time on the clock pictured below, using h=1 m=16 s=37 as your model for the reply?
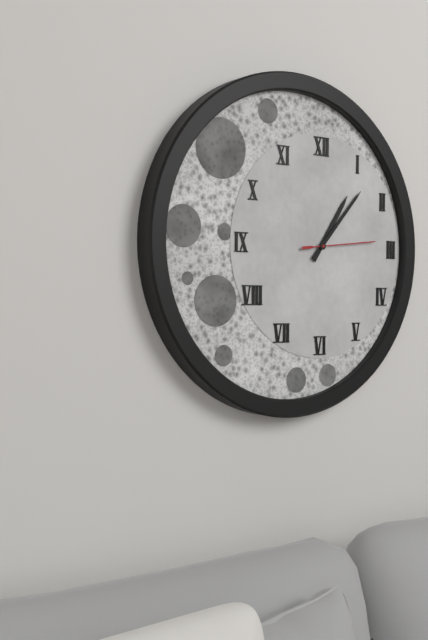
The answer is h=1 m=7 s=14
